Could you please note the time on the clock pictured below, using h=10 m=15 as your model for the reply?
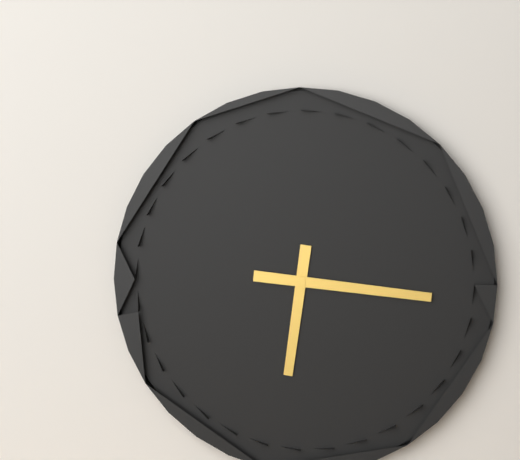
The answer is h=6 m=16
